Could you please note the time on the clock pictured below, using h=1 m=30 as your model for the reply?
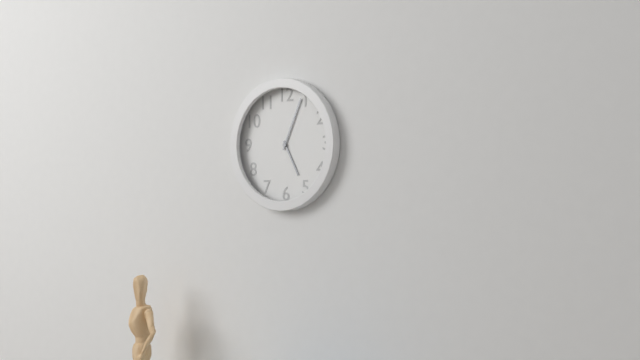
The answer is h=5 m=4
